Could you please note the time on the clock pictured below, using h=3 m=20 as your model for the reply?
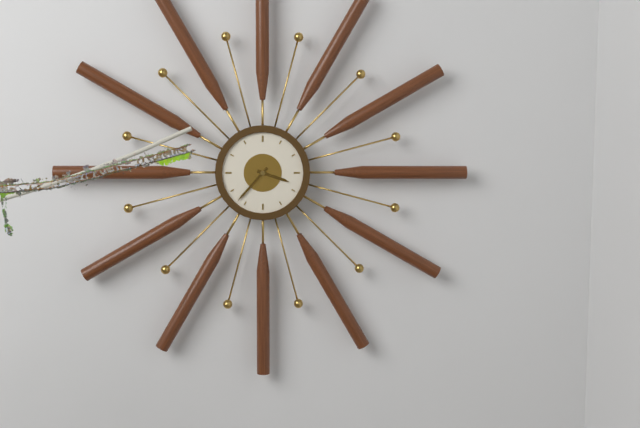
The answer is h=3 m=37
